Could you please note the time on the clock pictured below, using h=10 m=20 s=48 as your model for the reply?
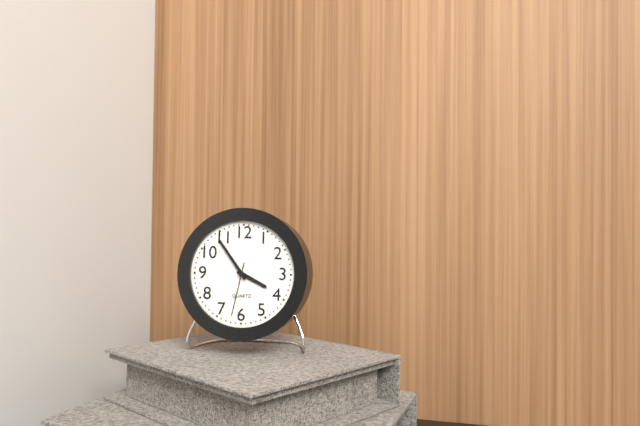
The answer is h=3 m=54 s=32
